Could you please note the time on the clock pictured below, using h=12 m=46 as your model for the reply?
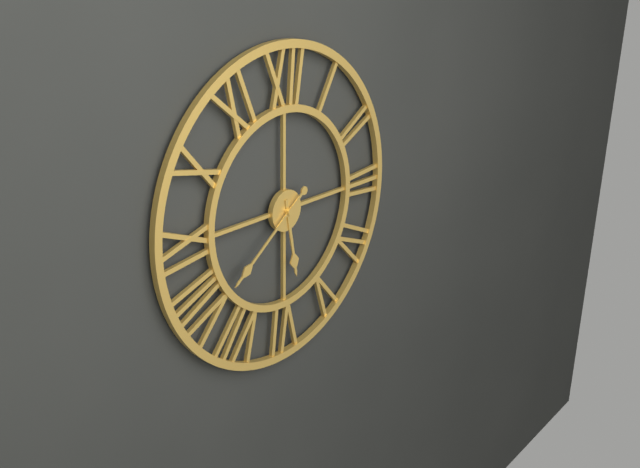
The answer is h=5 m=39
